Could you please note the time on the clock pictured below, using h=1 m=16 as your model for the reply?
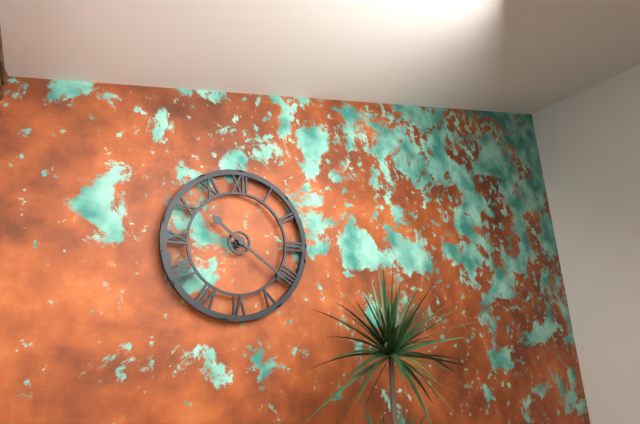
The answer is h=10 m=21
